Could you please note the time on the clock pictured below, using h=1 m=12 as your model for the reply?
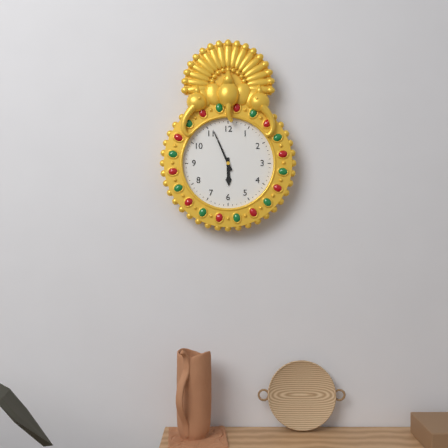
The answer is h=5 m=56
